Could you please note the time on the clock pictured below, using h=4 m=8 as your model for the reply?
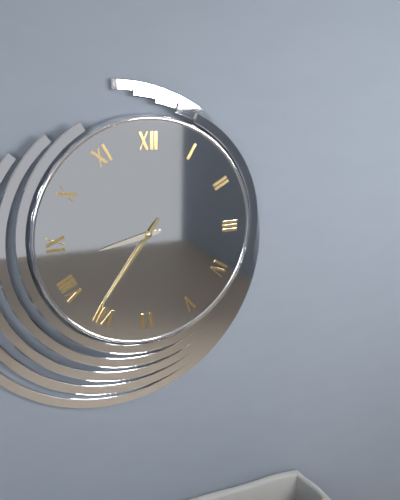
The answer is h=8 m=36
